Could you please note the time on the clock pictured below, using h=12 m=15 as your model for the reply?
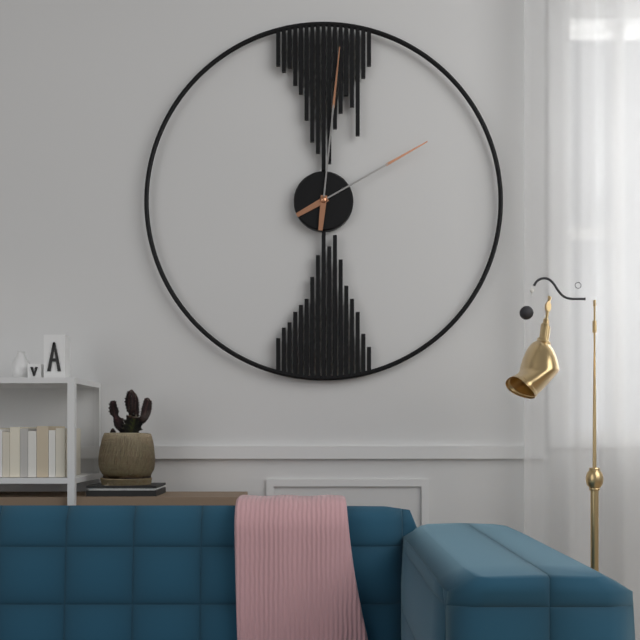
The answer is h=2 m=1
